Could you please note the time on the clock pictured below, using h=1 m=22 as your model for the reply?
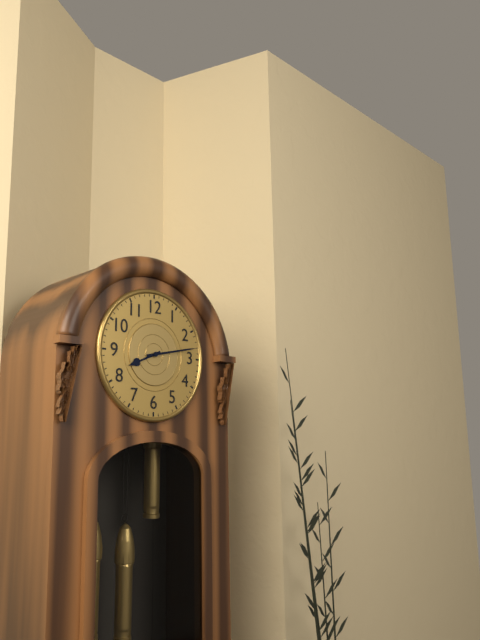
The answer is h=8 m=13
